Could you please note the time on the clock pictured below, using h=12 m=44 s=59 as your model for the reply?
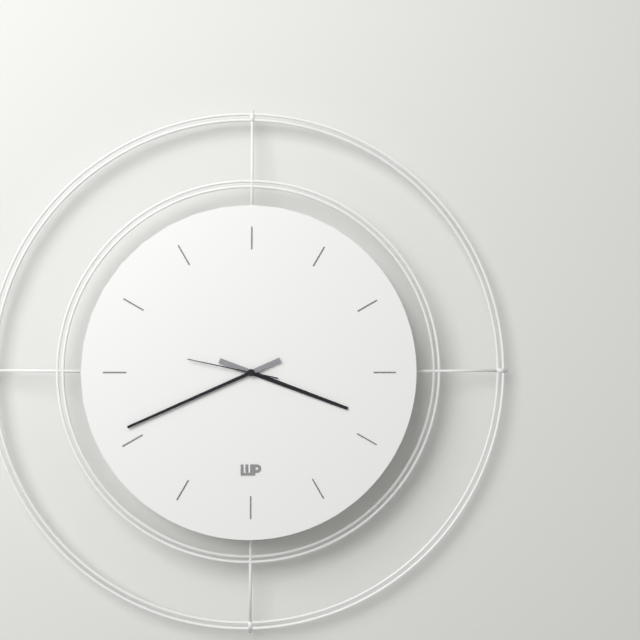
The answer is h=3 m=41 s=47
